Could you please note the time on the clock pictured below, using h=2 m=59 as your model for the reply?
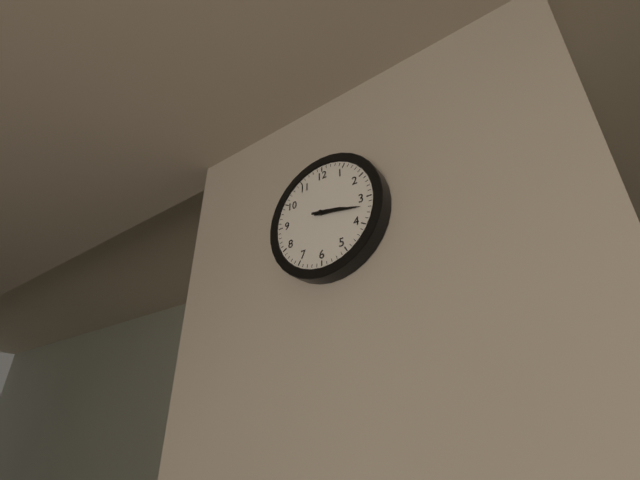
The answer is h=3 m=17
